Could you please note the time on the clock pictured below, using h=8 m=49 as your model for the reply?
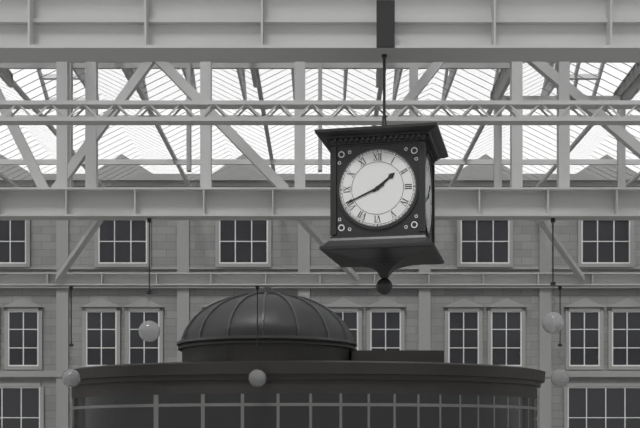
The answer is h=1 m=41
